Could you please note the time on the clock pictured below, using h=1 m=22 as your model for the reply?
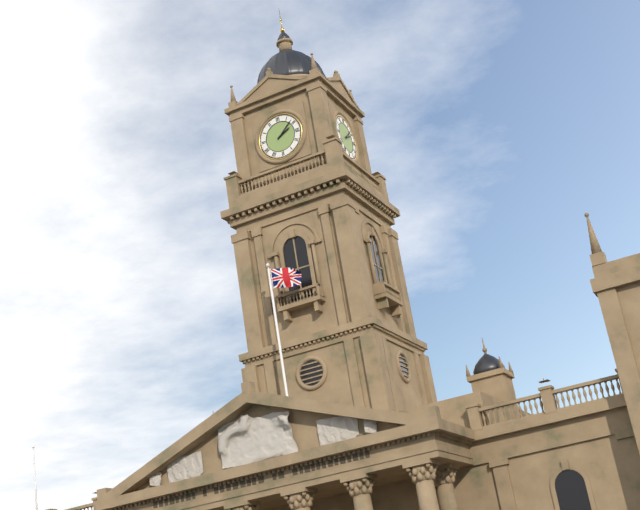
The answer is h=2 m=8
